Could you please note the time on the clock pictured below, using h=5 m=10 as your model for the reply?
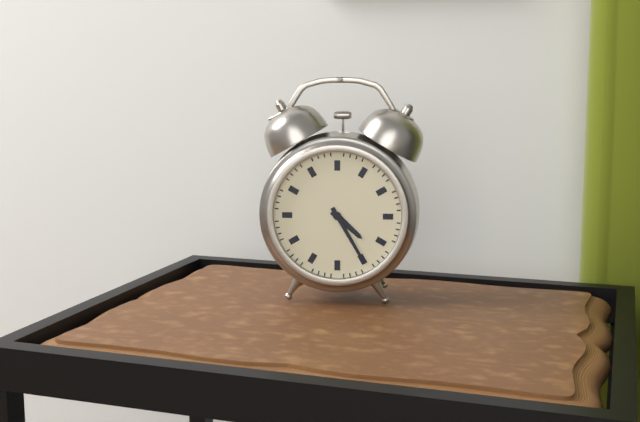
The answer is h=4 m=25
